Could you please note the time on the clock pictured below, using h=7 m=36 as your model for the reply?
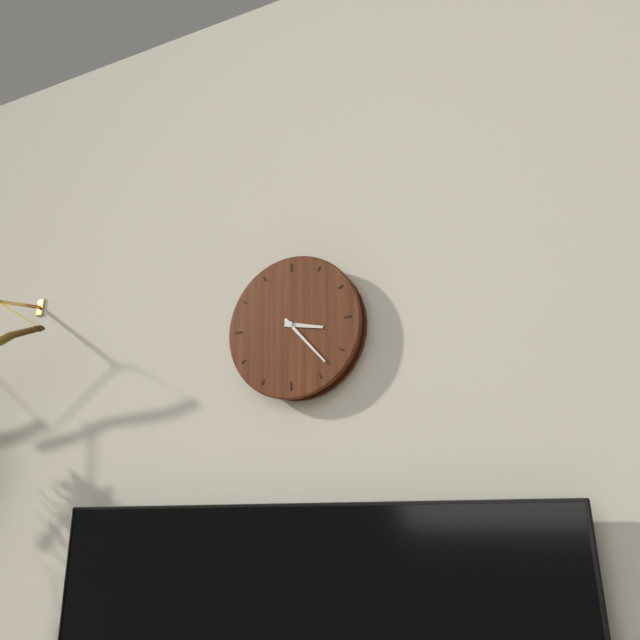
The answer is h=3 m=23
